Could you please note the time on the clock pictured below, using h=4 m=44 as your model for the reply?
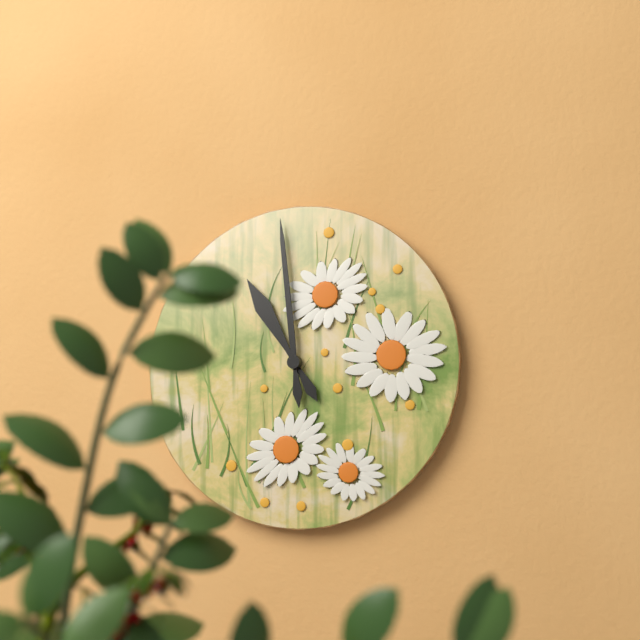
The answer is h=10 m=59
